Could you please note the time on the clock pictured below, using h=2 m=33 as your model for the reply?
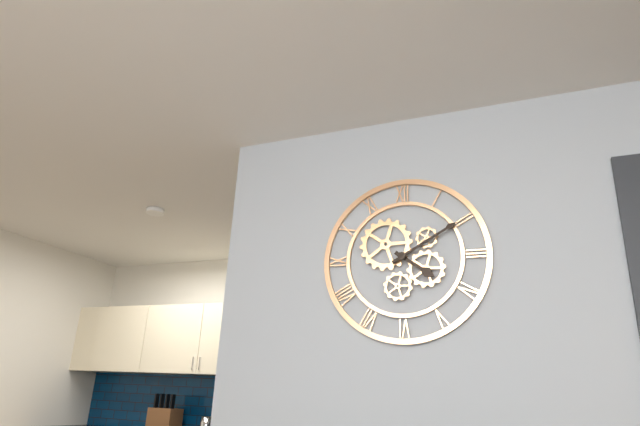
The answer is h=4 m=10
